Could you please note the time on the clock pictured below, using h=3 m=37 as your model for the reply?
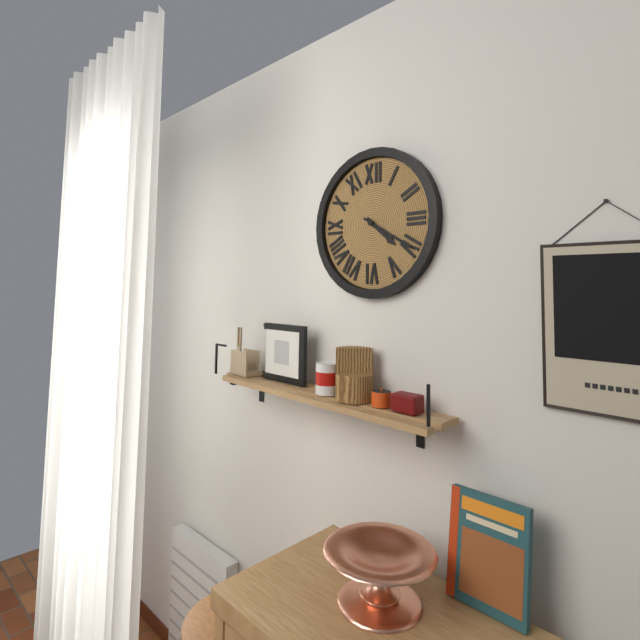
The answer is h=4 m=20
